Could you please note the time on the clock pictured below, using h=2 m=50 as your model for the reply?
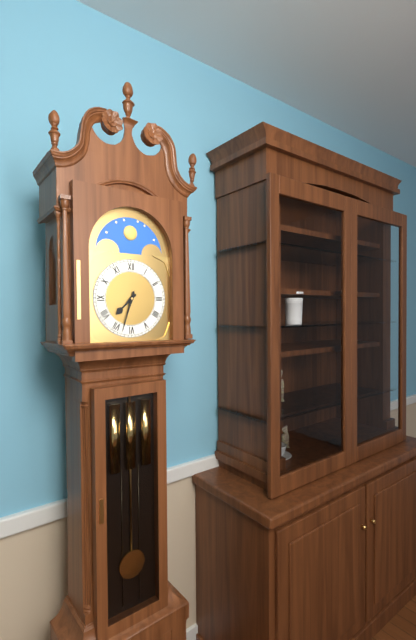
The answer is h=7 m=33
